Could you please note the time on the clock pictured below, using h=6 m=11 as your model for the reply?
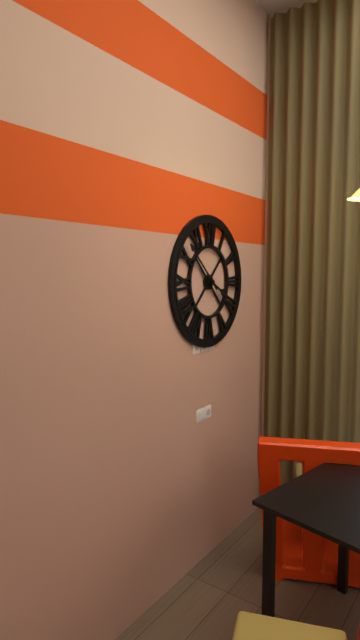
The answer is h=3 m=52
